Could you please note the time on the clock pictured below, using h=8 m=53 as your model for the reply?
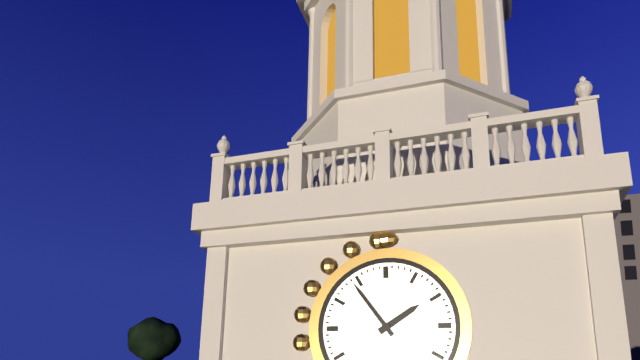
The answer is h=1 m=54
